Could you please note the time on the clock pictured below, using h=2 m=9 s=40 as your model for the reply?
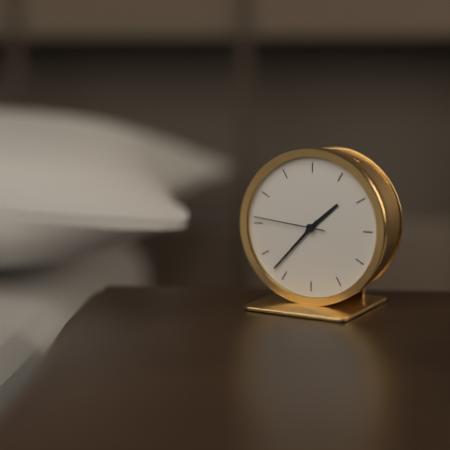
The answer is h=1 m=37 s=46
